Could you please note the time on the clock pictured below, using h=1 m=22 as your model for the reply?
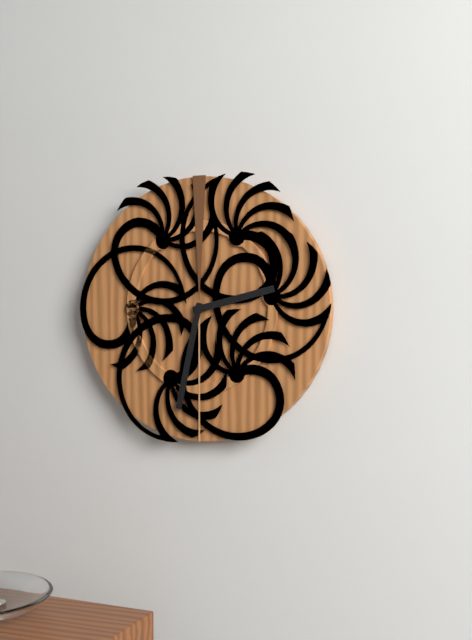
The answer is h=2 m=32
